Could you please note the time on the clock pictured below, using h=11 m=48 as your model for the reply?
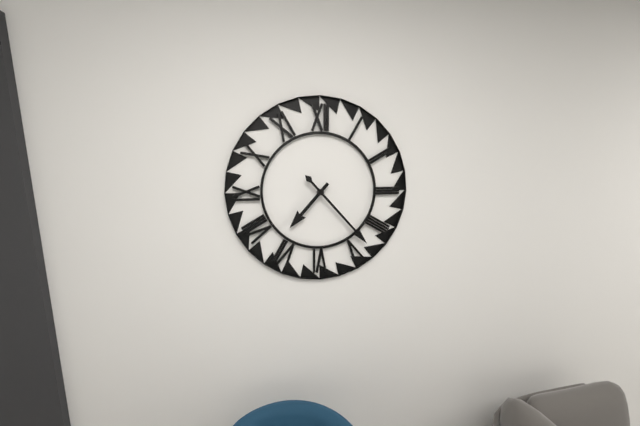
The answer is h=7 m=23
